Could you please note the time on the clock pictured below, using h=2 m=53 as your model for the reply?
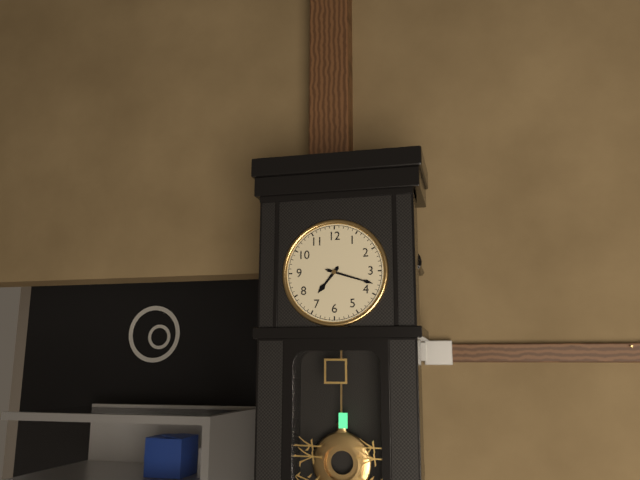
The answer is h=7 m=18
